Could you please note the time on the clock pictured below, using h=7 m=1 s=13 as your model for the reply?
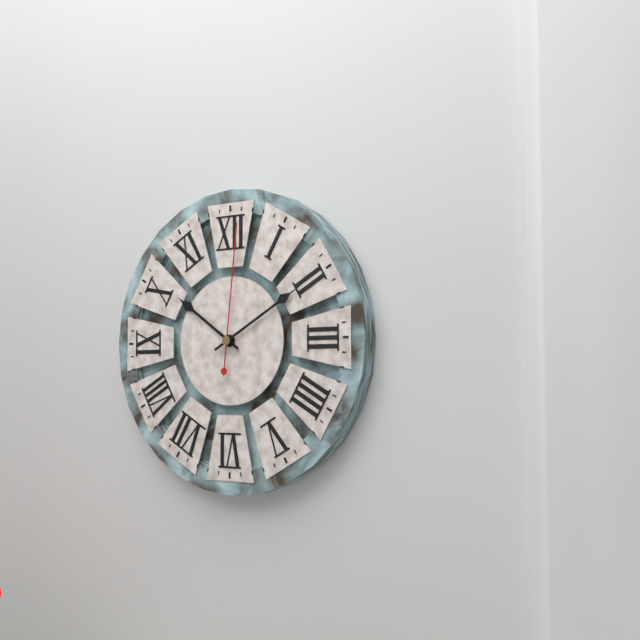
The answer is h=10 m=10 s=1
